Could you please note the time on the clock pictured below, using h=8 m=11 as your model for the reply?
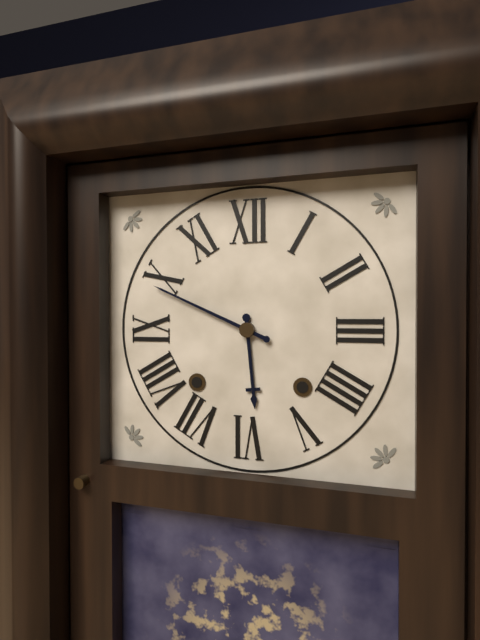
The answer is h=5 m=49
